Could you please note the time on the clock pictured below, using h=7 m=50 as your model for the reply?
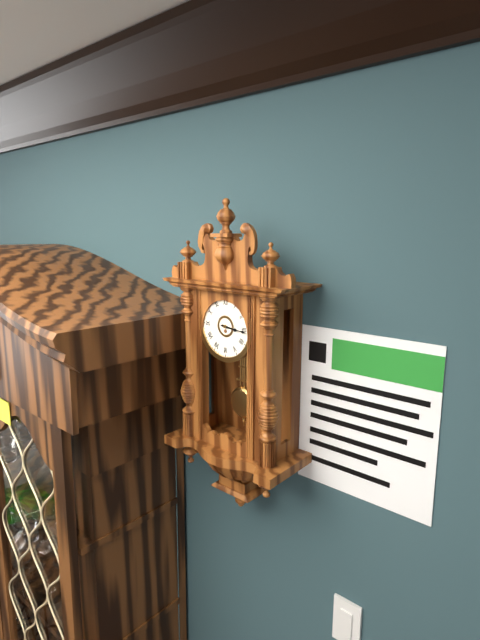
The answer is h=3 m=16
